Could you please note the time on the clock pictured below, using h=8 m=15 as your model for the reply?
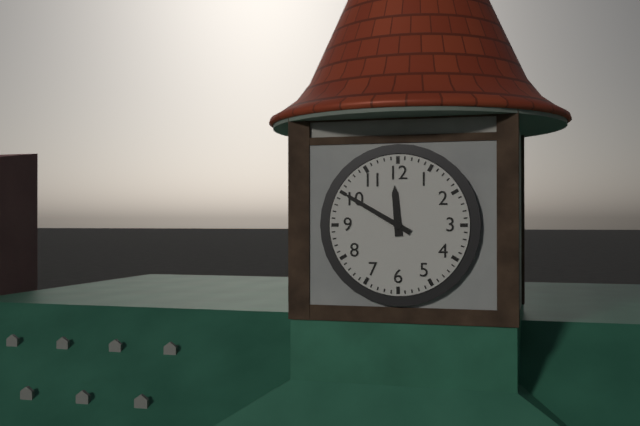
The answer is h=11 m=50
